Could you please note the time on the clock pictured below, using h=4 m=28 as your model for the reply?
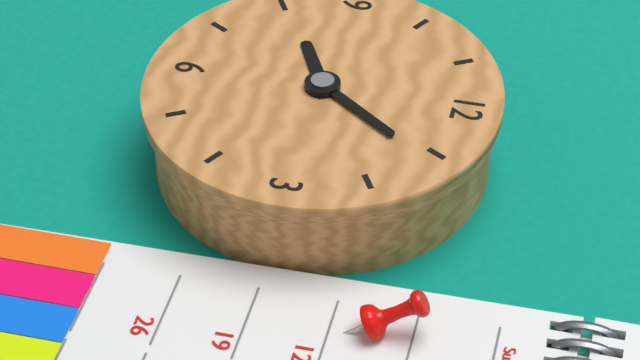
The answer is h=8 m=6
